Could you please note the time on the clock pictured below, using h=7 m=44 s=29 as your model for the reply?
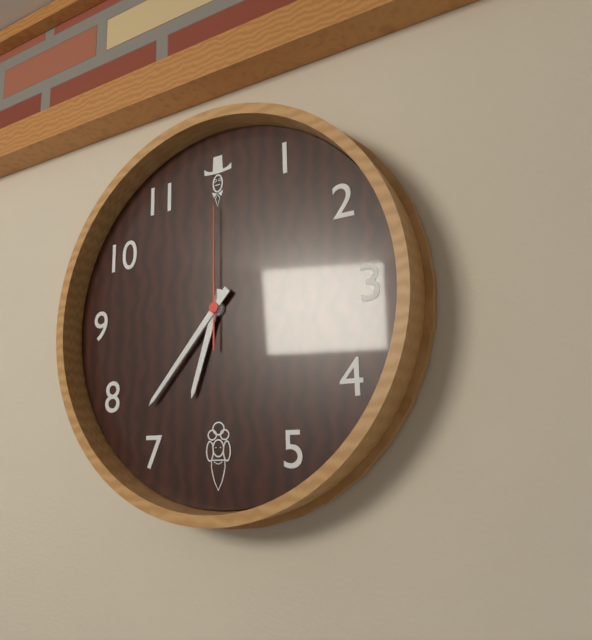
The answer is h=6 m=37 s=0
